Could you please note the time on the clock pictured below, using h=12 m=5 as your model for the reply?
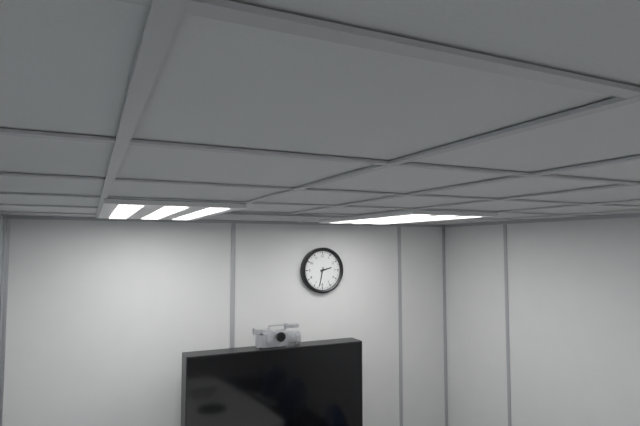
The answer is h=2 m=32
